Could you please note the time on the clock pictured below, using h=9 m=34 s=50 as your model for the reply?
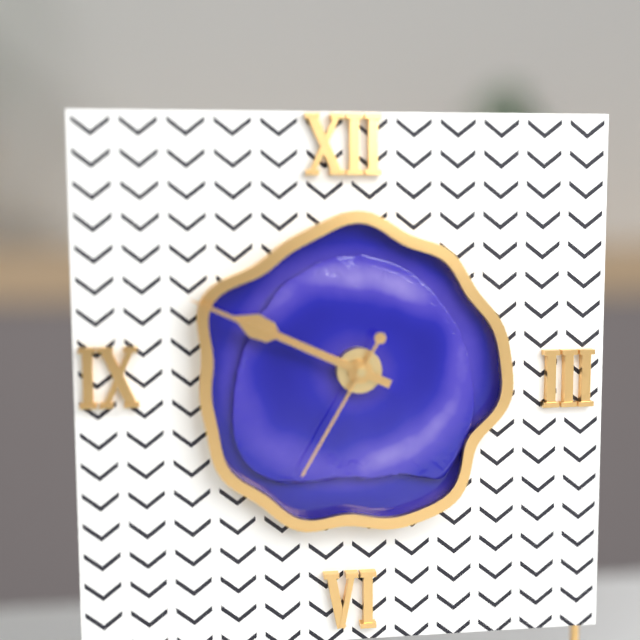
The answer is h=9 m=49 s=35
